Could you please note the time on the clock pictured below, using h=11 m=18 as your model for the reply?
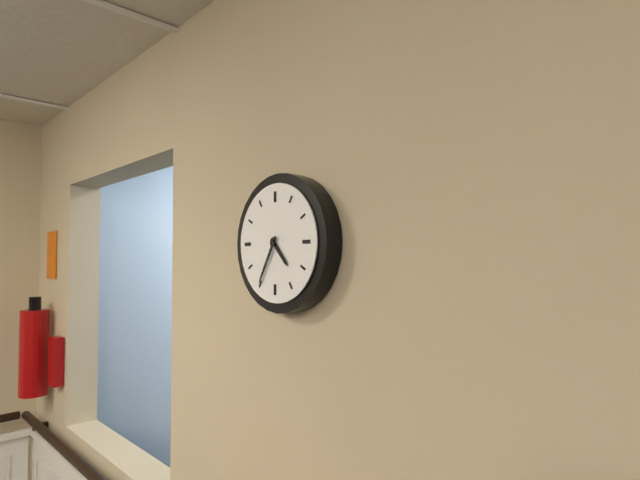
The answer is h=4 m=35
